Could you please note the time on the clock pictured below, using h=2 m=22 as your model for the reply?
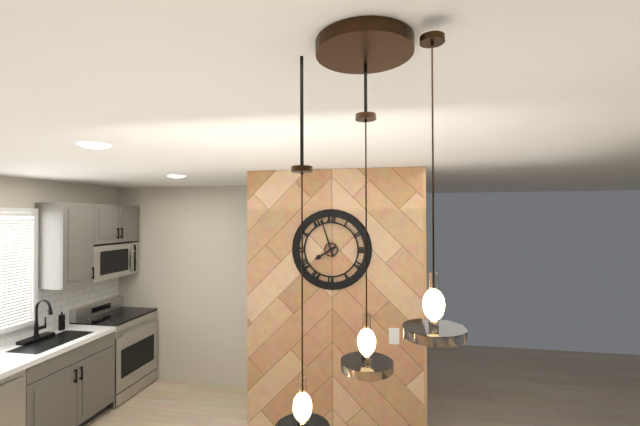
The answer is h=7 m=57
